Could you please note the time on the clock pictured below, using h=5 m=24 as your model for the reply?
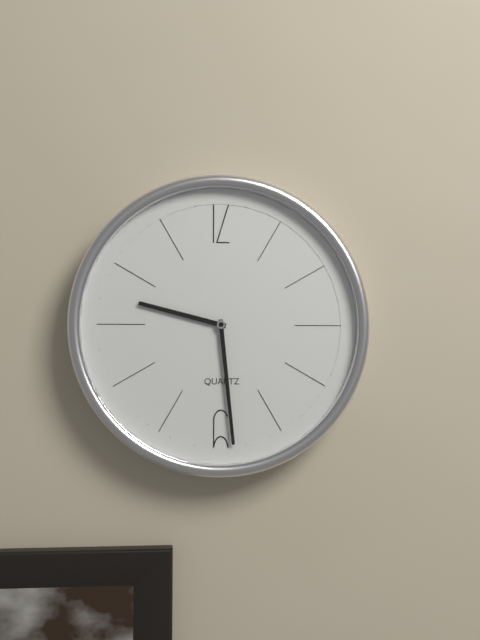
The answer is h=9 m=29
